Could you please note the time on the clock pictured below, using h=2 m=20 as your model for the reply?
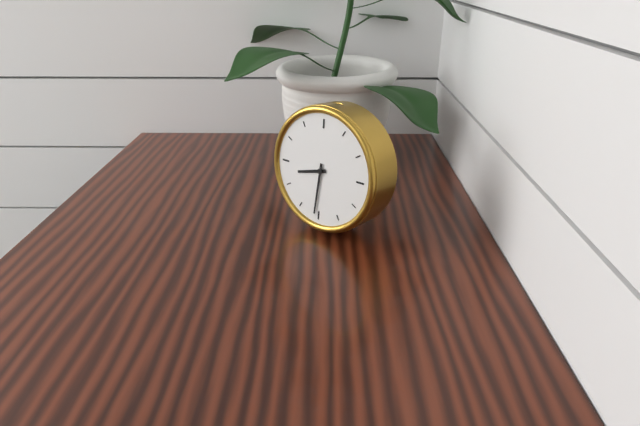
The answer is h=8 m=31
